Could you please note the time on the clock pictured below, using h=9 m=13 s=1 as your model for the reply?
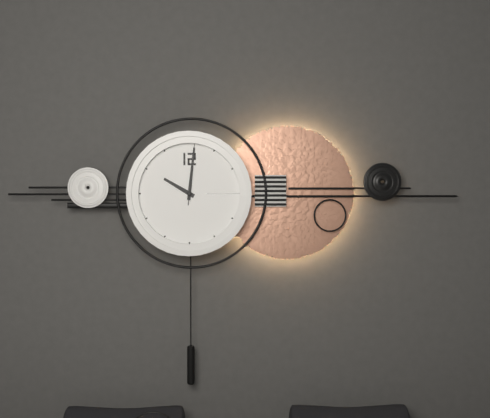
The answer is h=10 m=1 s=1
